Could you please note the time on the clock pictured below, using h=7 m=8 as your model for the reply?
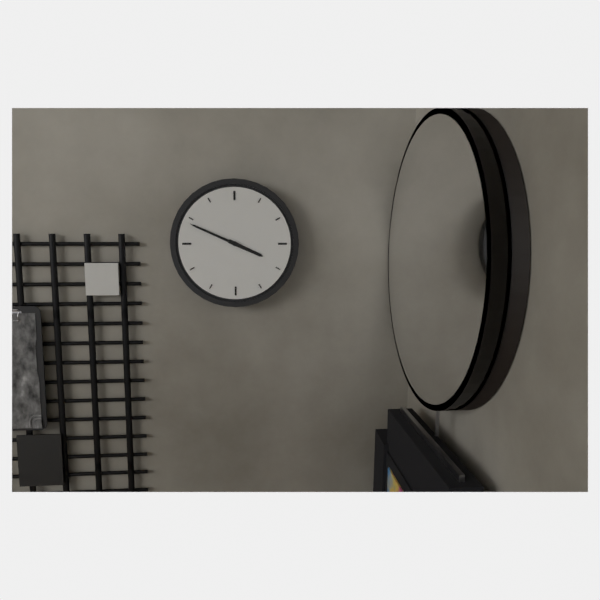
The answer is h=3 m=49
